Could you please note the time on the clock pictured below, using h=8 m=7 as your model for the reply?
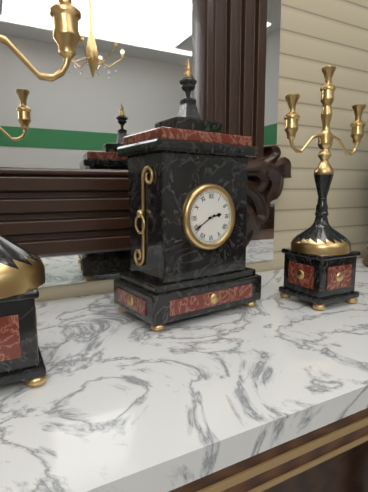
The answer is h=2 m=40
